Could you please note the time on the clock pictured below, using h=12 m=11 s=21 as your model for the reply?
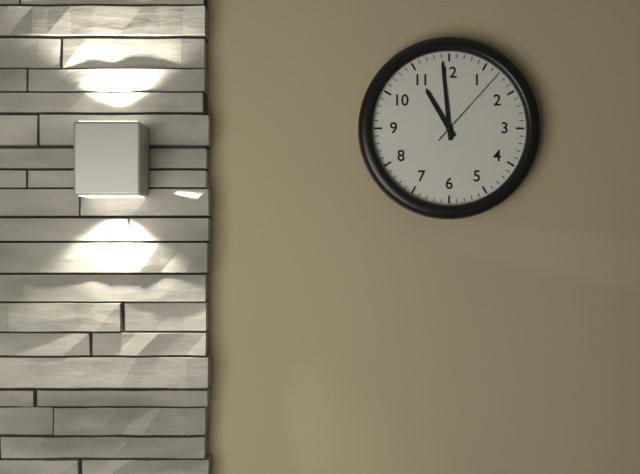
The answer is h=10 m=59 s=7
